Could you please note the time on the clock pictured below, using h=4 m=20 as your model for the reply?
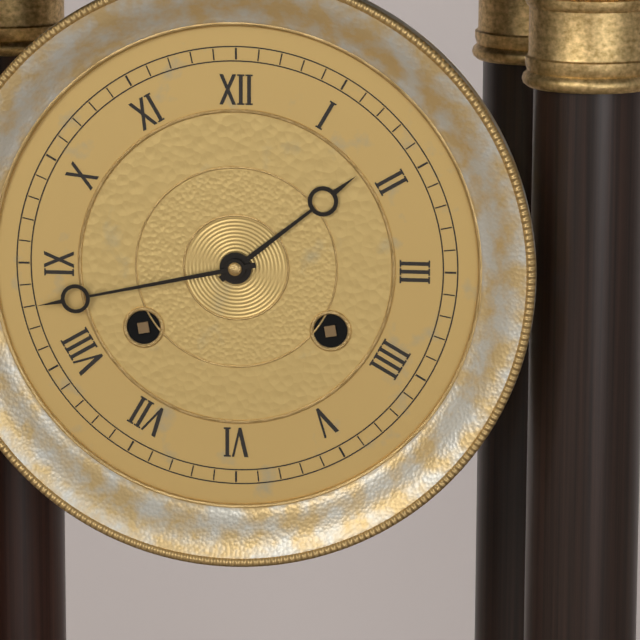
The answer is h=1 m=43
